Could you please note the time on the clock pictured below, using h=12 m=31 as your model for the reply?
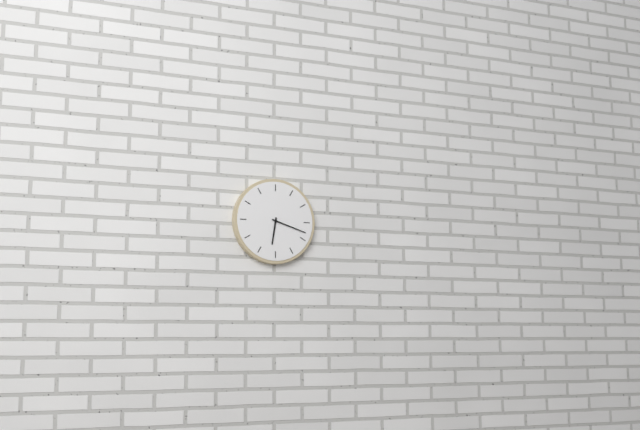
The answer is h=6 m=18
